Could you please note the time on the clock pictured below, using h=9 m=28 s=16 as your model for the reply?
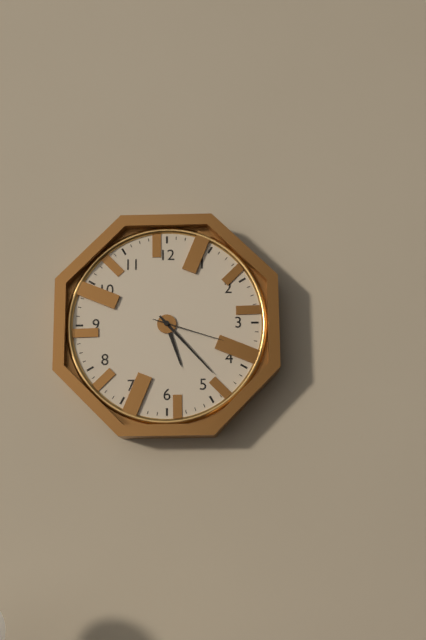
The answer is h=5 m=23 s=18
